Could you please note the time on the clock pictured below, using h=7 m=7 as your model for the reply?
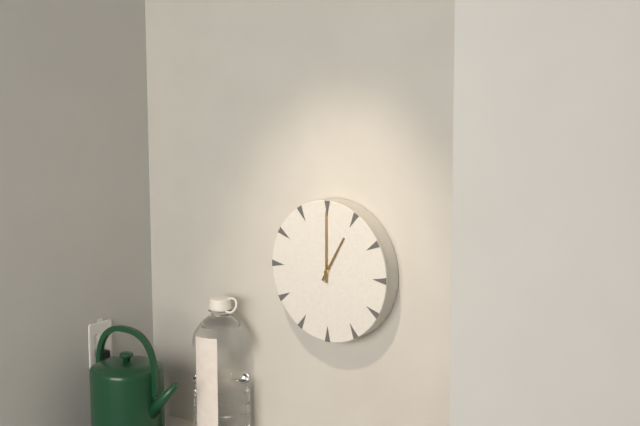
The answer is h=1 m=0
